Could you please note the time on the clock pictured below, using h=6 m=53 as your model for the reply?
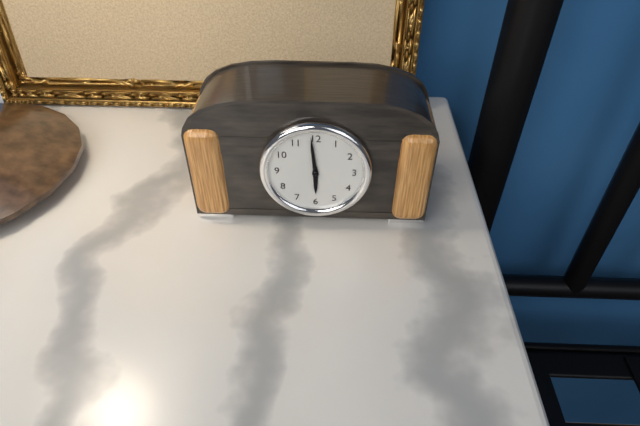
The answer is h=5 m=59
